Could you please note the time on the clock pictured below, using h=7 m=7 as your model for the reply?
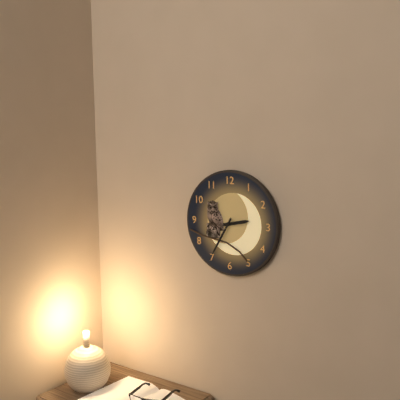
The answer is h=2 m=35
